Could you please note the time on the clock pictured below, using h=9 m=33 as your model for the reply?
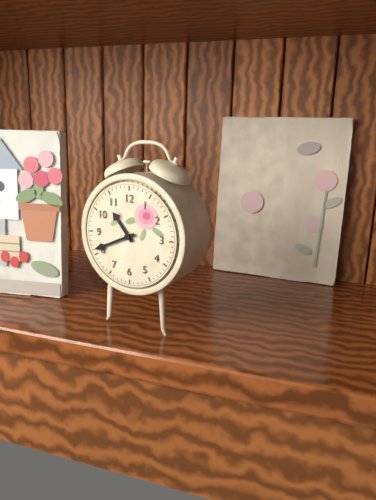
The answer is h=10 m=41
